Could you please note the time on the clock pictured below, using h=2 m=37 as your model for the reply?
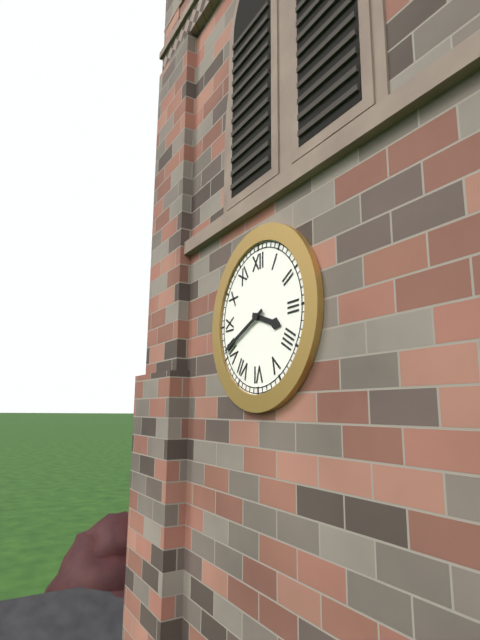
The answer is h=3 m=41
